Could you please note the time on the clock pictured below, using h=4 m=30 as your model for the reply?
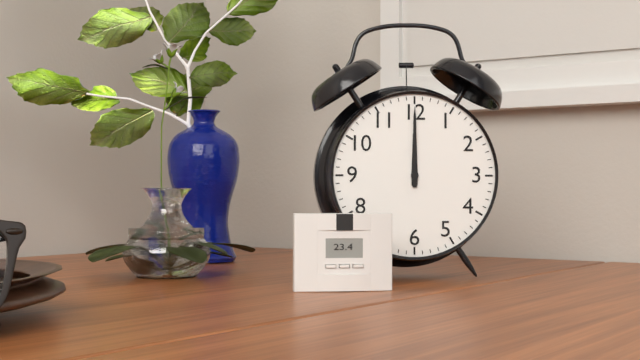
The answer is h=12 m=0
